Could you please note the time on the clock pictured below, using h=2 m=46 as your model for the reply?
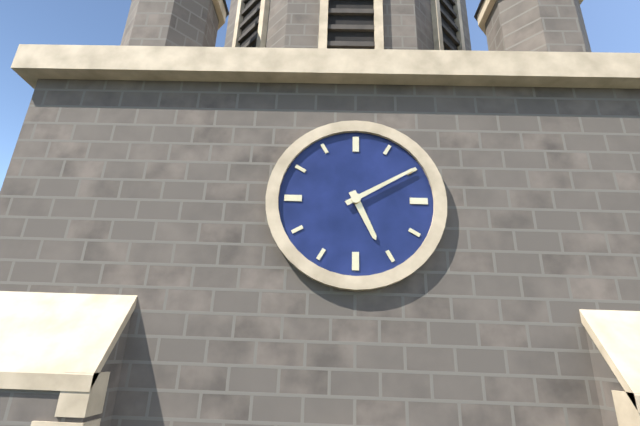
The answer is h=5 m=10
